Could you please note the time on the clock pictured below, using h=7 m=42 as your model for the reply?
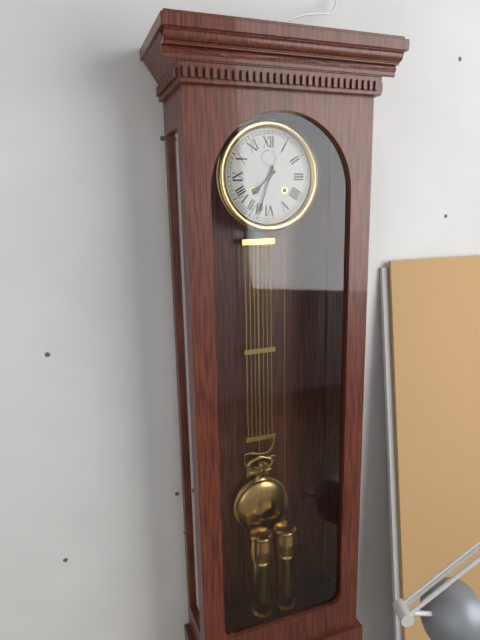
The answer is h=7 m=33
